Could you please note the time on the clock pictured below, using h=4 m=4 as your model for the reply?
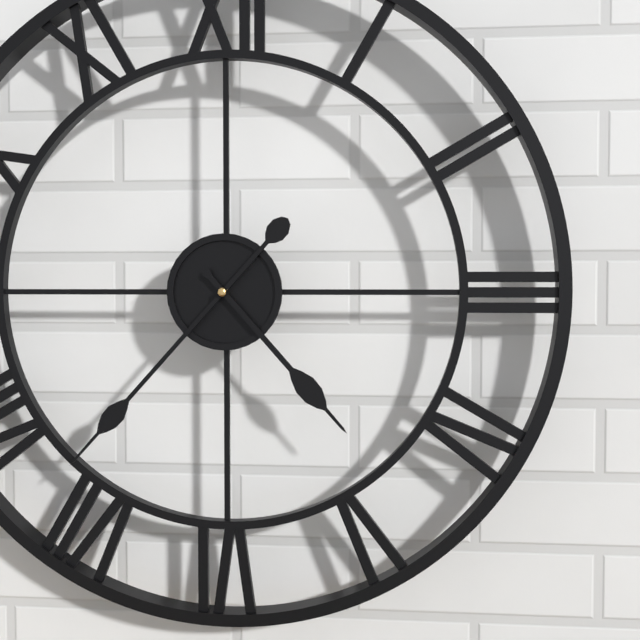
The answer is h=4 m=37
